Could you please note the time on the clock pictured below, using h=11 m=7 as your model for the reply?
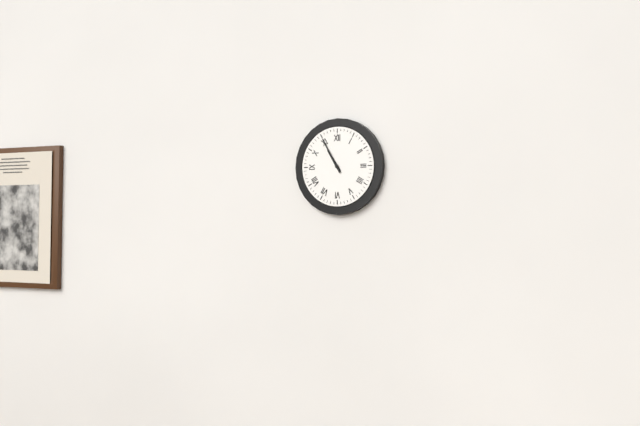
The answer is h=10 m=55
